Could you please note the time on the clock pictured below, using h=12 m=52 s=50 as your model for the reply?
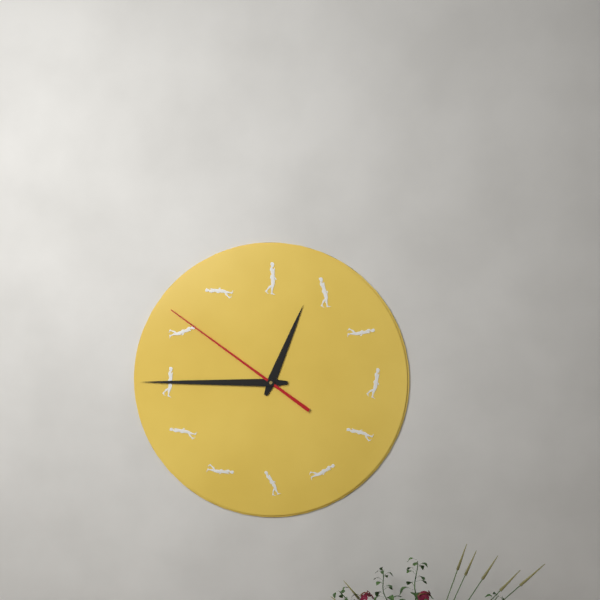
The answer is h=12 m=45 s=51
